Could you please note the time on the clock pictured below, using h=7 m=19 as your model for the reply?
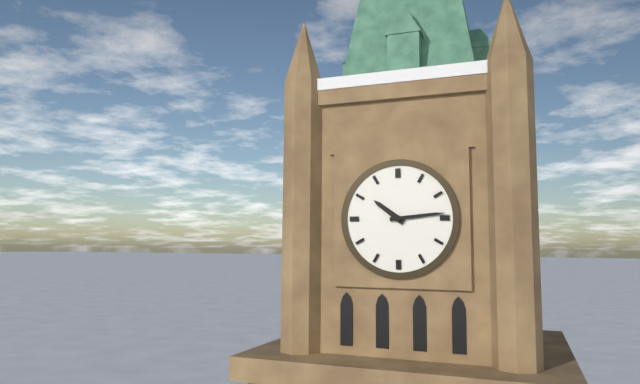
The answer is h=10 m=14
